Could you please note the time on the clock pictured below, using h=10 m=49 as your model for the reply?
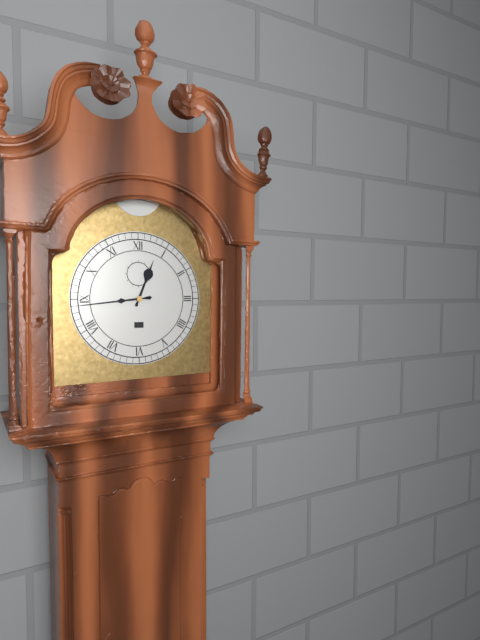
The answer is h=12 m=44
